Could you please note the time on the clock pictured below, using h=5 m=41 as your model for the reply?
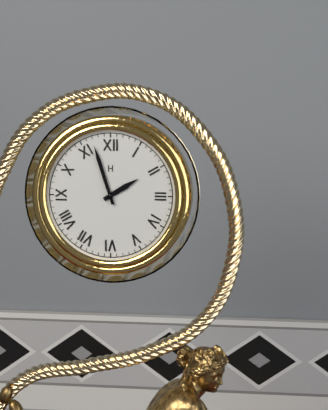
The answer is h=1 m=57
